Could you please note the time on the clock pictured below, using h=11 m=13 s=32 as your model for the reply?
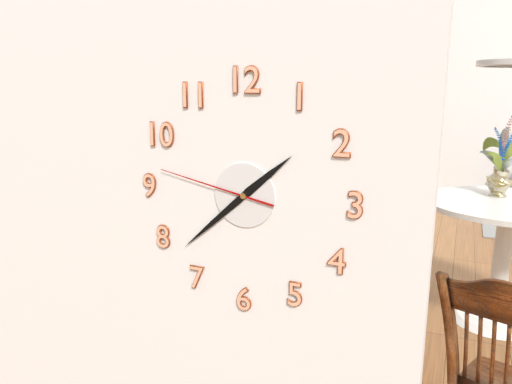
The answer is h=1 m=38 s=47
